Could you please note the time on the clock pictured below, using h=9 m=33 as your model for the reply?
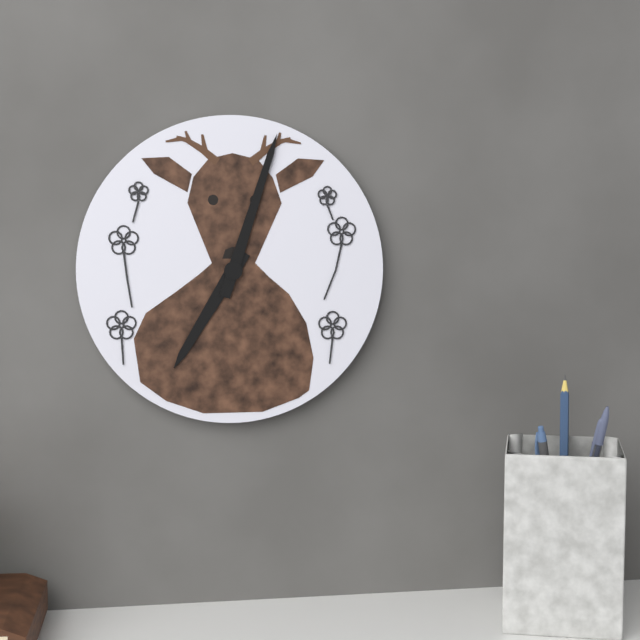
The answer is h=7 m=3
